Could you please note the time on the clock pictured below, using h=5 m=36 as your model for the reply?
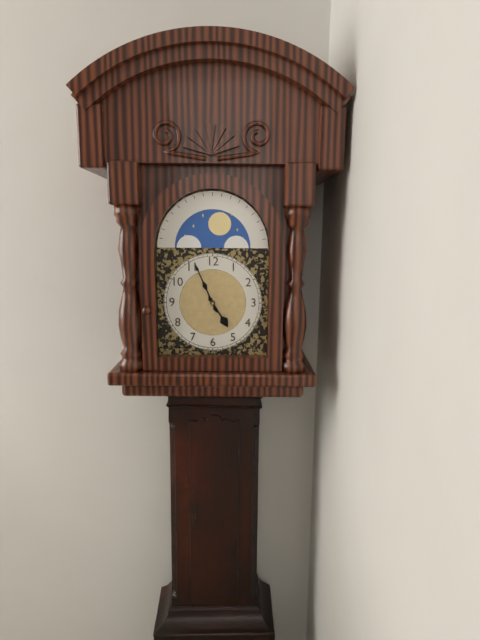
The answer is h=4 m=56
